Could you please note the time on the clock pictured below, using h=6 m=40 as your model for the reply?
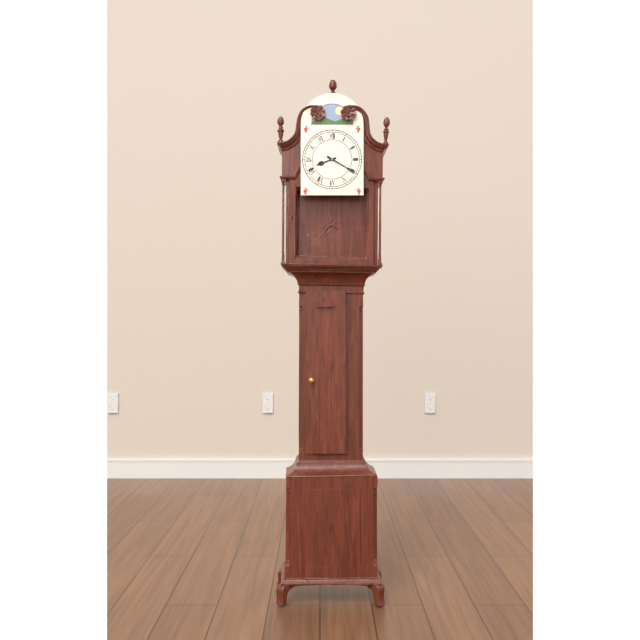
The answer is h=8 m=20
